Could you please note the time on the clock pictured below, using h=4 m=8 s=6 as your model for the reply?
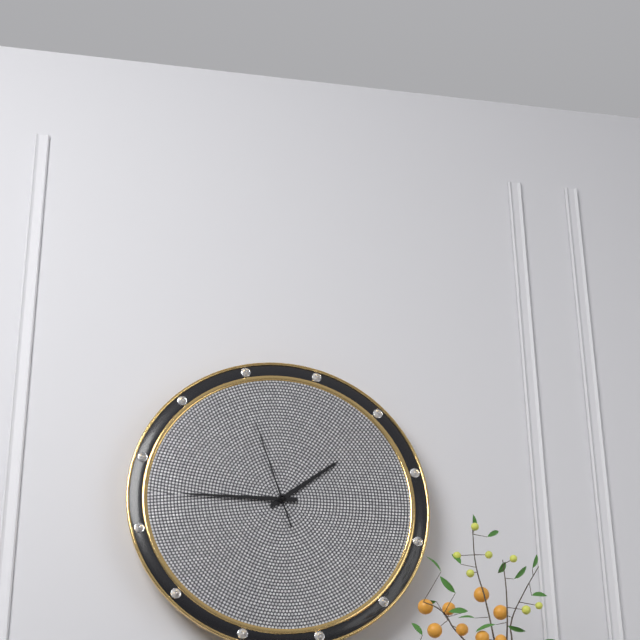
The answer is h=1 m=45 s=57
